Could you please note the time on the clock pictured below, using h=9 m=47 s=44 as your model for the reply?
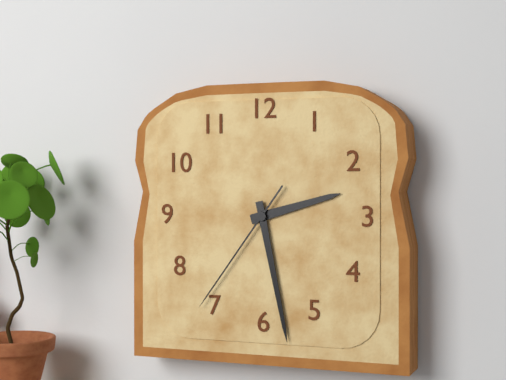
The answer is h=2 m=28 s=36
